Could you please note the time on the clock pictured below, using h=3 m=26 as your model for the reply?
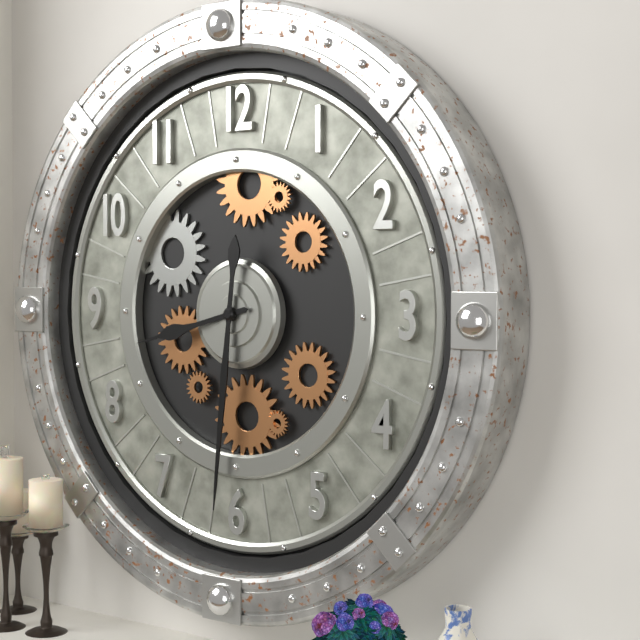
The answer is h=8 m=31
